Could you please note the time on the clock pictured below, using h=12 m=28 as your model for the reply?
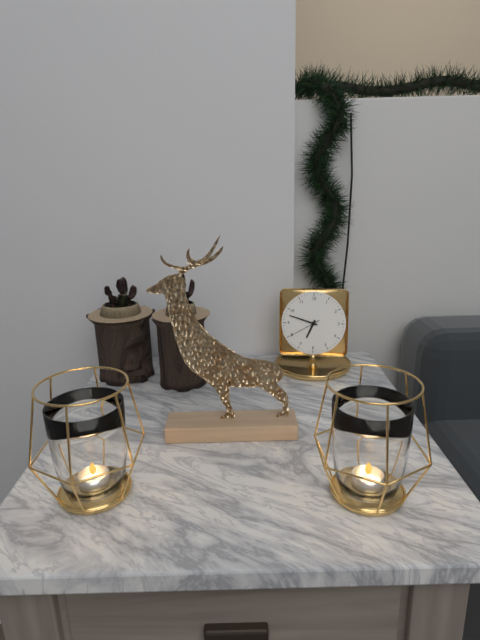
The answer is h=6 m=48
